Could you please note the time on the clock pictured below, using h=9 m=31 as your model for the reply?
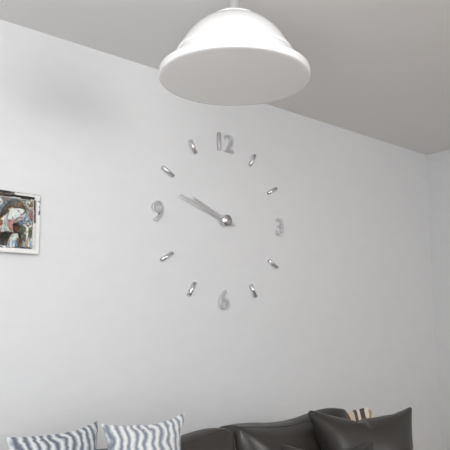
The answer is h=9 m=48
